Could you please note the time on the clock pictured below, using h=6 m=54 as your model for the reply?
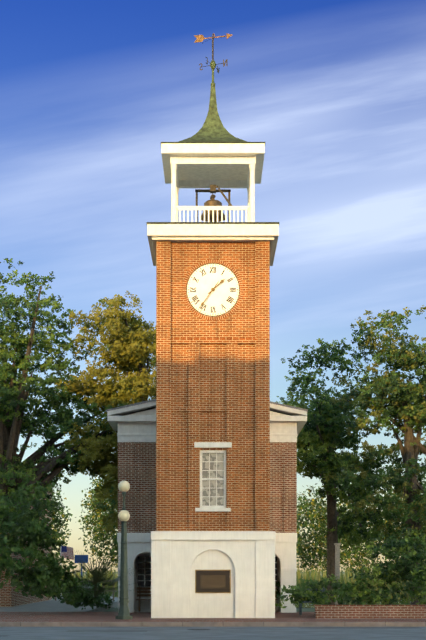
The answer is h=1 m=36
